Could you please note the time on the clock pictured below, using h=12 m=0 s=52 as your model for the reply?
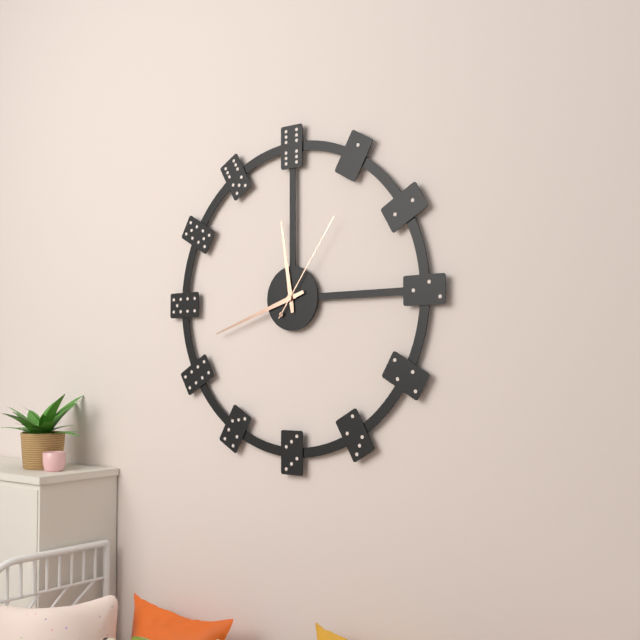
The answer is h=11 m=42 s=6
